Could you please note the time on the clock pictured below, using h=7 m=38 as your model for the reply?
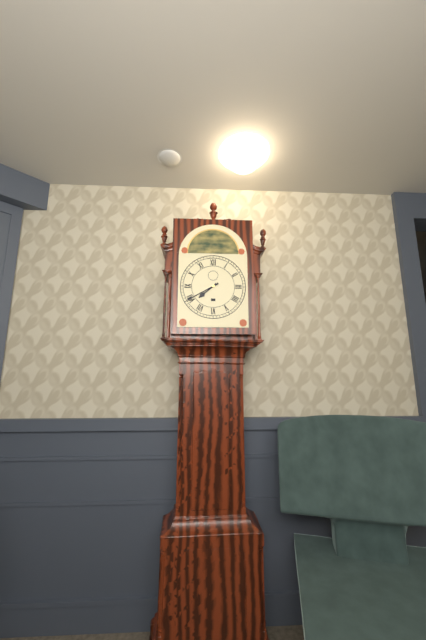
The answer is h=7 m=40
